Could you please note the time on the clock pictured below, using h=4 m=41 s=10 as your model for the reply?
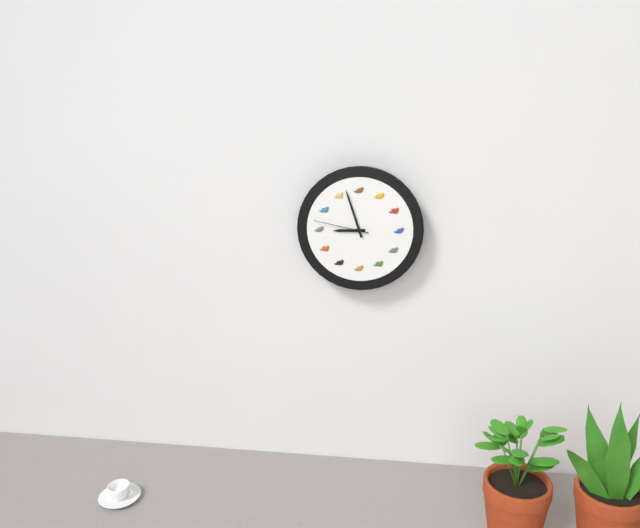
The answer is h=8 m=57 s=47
